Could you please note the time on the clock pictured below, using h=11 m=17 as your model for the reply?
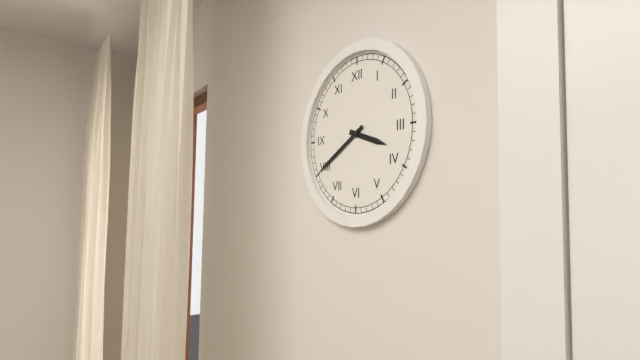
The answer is h=3 m=40
